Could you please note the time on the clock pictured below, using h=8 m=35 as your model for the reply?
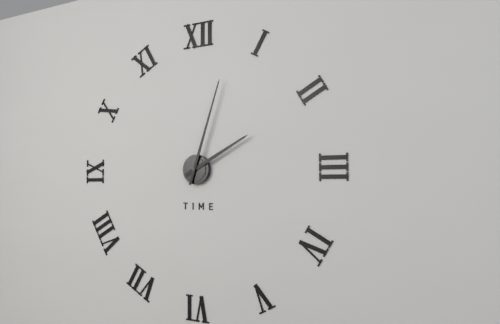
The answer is h=2 m=3
